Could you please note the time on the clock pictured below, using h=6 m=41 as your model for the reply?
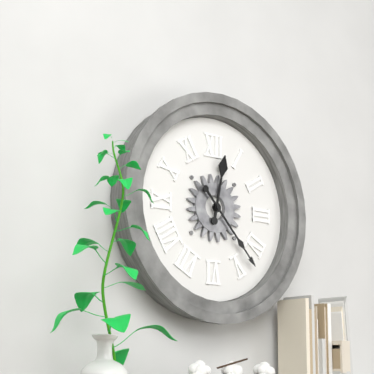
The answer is h=12 m=23
